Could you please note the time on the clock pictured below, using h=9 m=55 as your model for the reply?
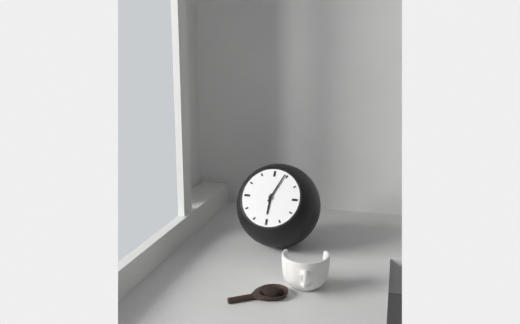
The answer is h=6 m=4
